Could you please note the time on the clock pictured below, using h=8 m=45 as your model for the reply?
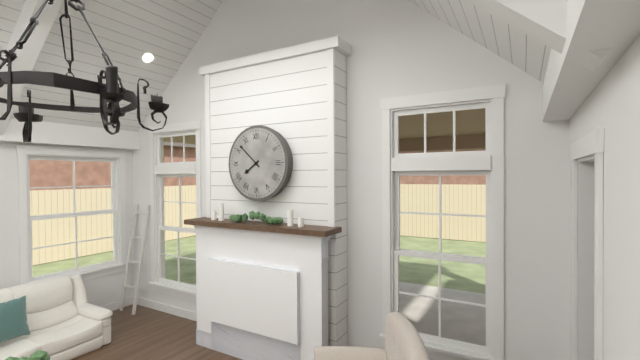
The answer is h=7 m=52
